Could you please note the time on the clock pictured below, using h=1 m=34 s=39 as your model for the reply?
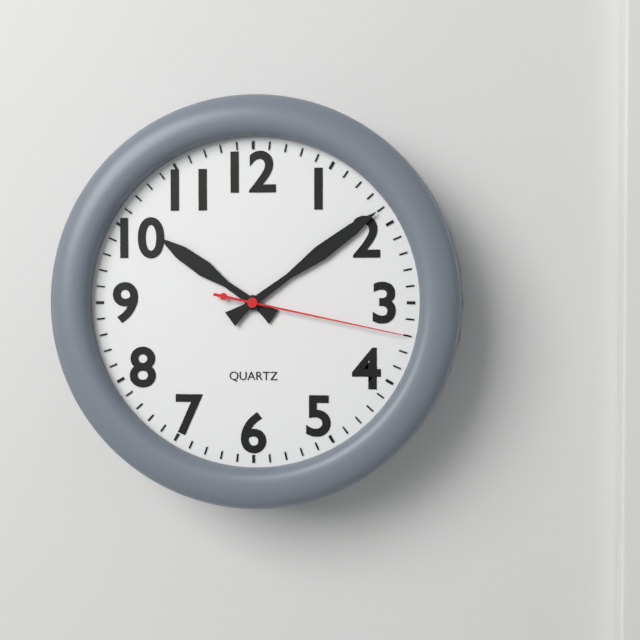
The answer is h=10 m=9 s=17
